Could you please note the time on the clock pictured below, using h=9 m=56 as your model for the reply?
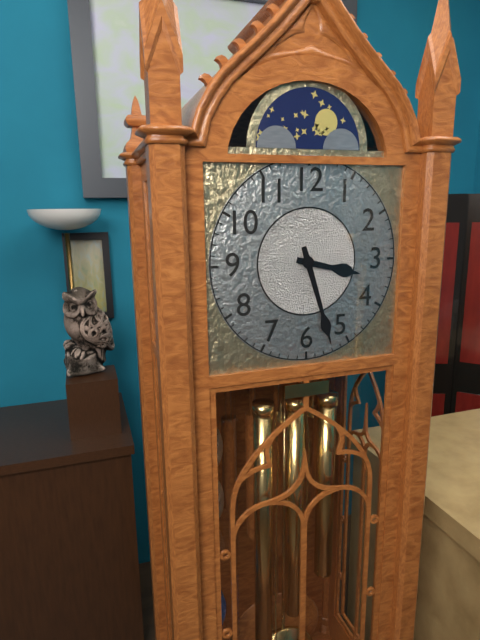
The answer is h=3 m=27
